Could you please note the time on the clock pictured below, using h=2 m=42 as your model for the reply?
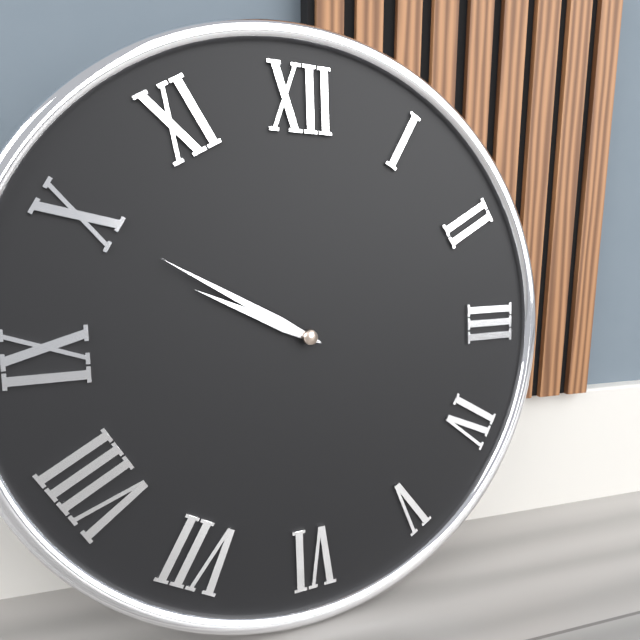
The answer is h=9 m=50
